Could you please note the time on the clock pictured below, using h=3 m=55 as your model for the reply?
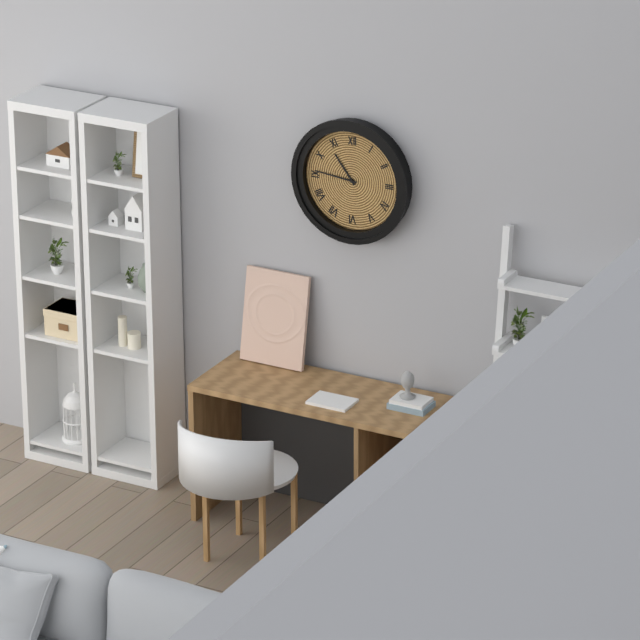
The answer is h=10 m=46
